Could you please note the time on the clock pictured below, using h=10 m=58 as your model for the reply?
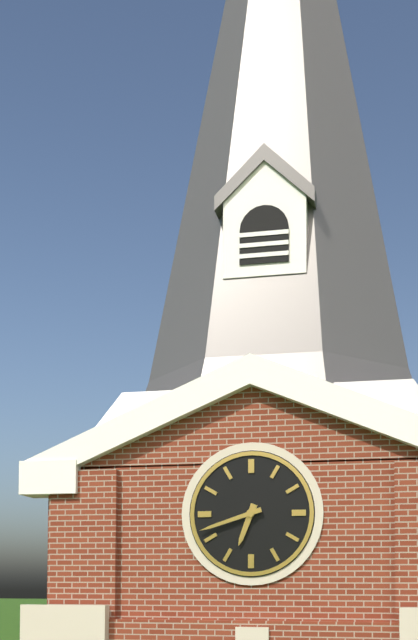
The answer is h=6 m=42
